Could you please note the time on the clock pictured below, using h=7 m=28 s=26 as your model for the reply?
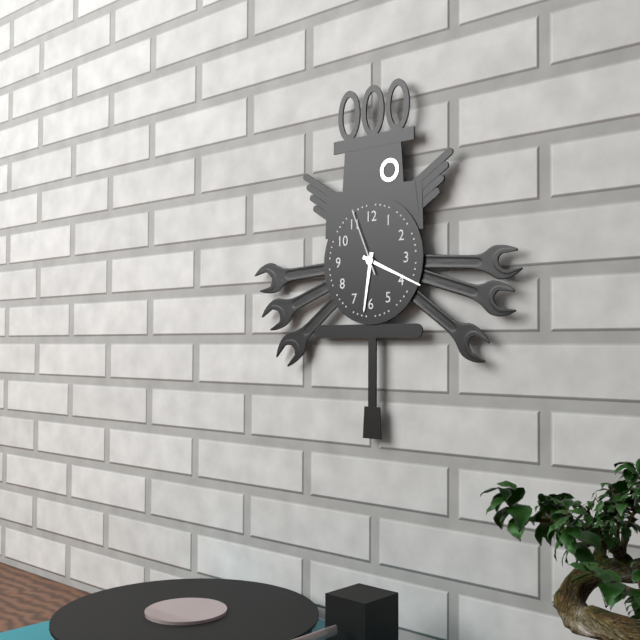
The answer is h=6 m=19 s=56
